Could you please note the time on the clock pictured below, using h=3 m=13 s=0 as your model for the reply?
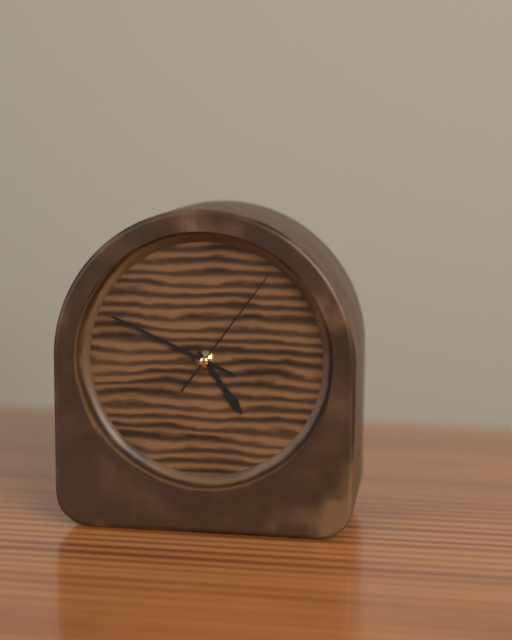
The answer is h=4 m=49 s=6
